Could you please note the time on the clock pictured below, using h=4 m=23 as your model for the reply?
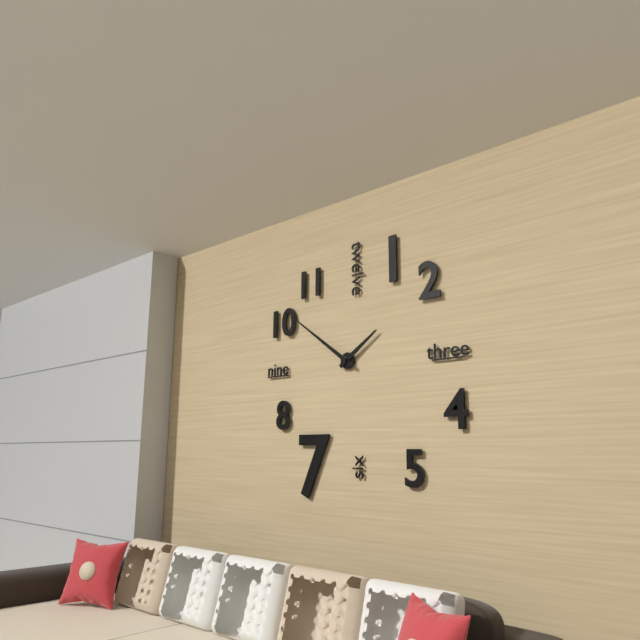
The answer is h=1 m=51
